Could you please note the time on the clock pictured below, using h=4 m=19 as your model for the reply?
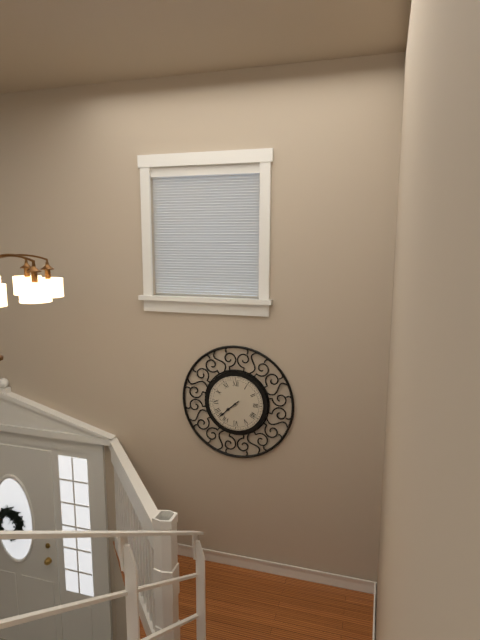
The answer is h=7 m=38
